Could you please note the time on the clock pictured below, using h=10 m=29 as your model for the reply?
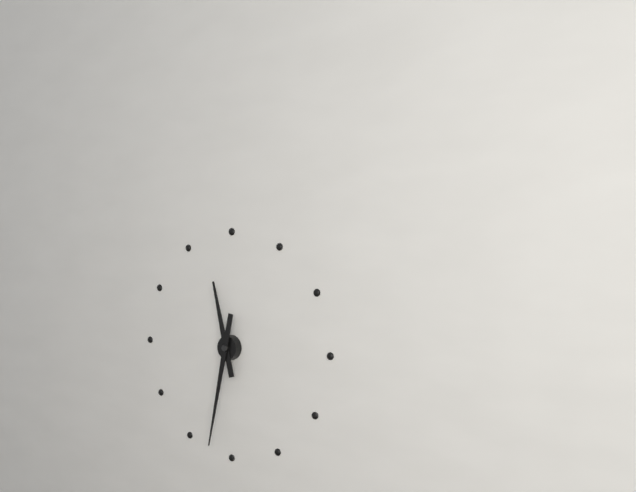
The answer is h=11 m=32
